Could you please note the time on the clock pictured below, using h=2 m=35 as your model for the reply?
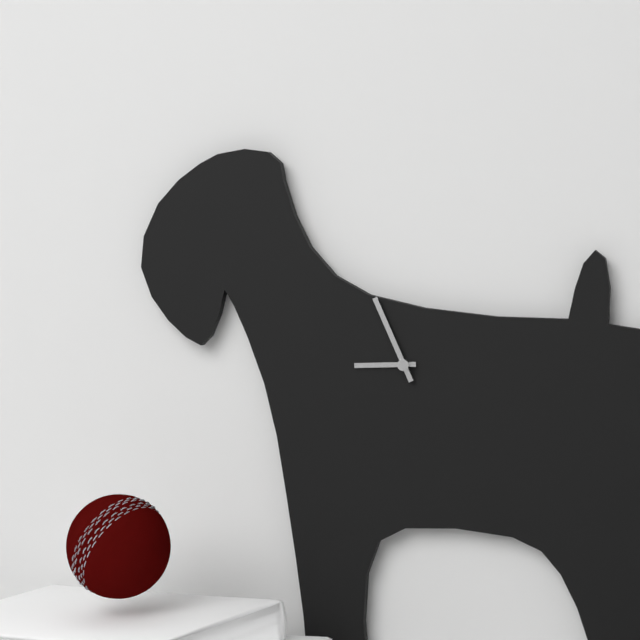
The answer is h=8 m=56
